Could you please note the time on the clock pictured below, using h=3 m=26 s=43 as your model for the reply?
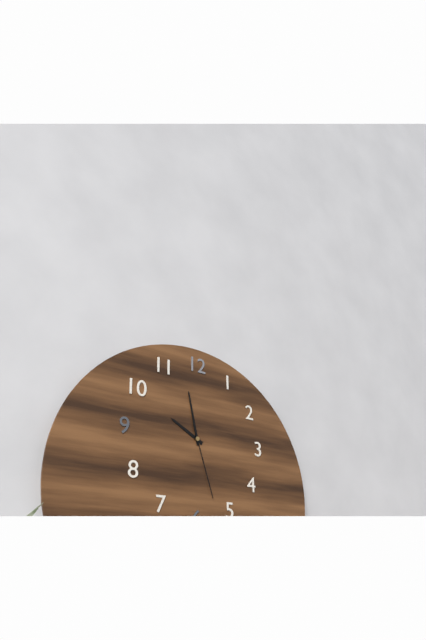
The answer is h=9 m=58 s=27
